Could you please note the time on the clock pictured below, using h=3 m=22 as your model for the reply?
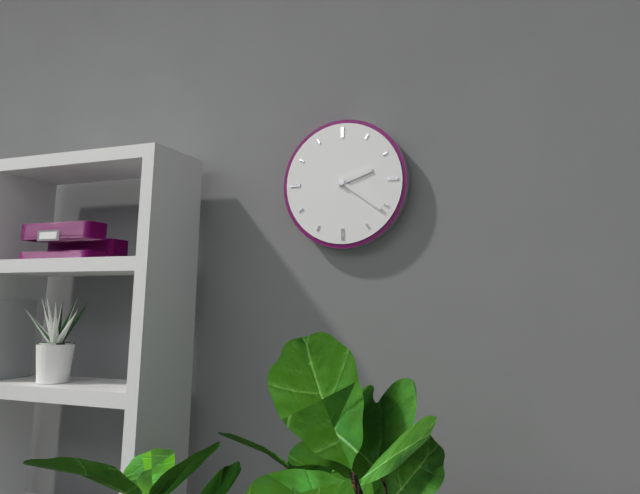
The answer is h=2 m=21
